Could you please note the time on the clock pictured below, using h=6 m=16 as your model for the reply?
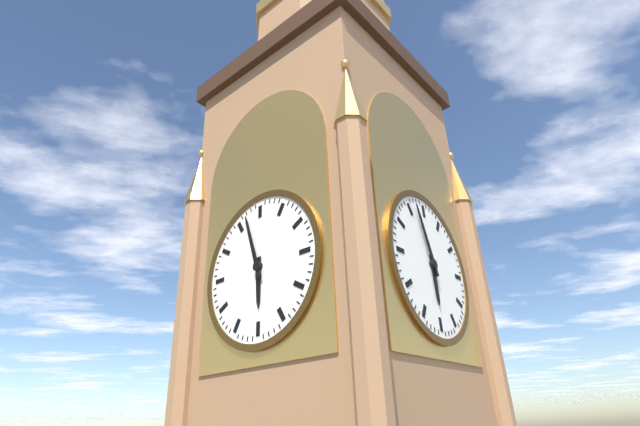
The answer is h=5 m=57
